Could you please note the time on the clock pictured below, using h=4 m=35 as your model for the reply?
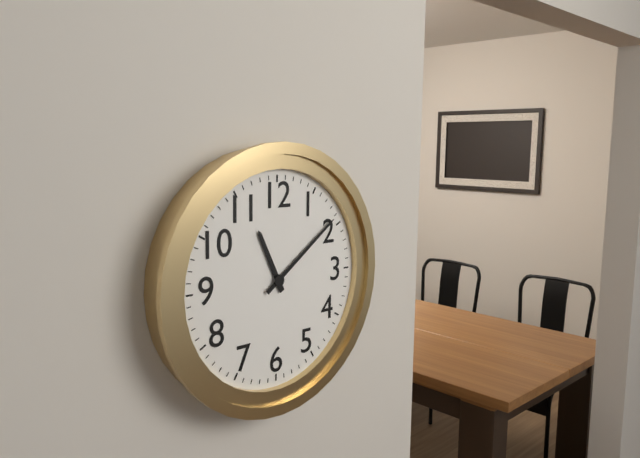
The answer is h=11 m=9
